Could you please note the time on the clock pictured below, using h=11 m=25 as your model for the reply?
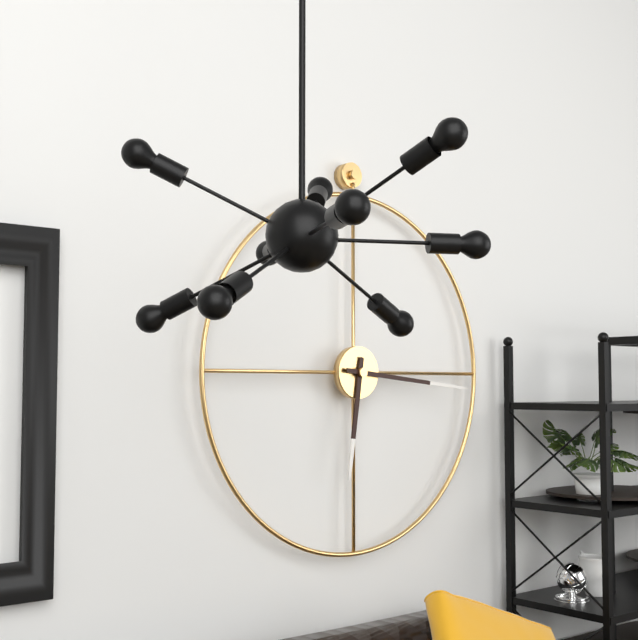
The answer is h=6 m=16
